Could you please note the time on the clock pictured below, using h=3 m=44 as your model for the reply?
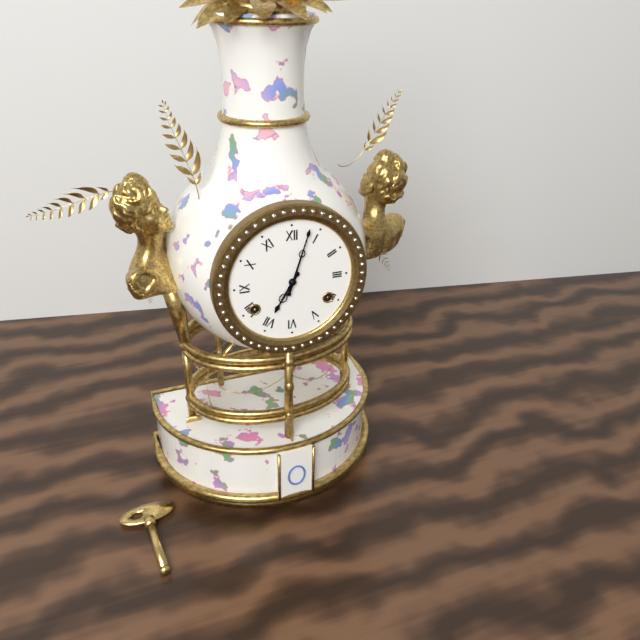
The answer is h=7 m=3
